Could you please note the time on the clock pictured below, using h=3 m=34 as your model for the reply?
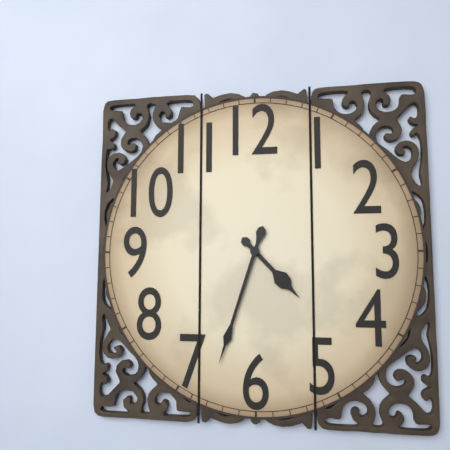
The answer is h=4 m=33
